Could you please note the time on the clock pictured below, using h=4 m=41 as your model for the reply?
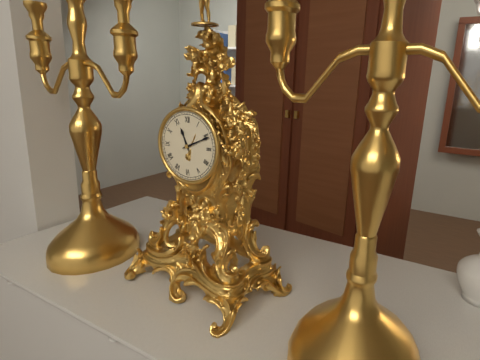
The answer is h=11 m=11
